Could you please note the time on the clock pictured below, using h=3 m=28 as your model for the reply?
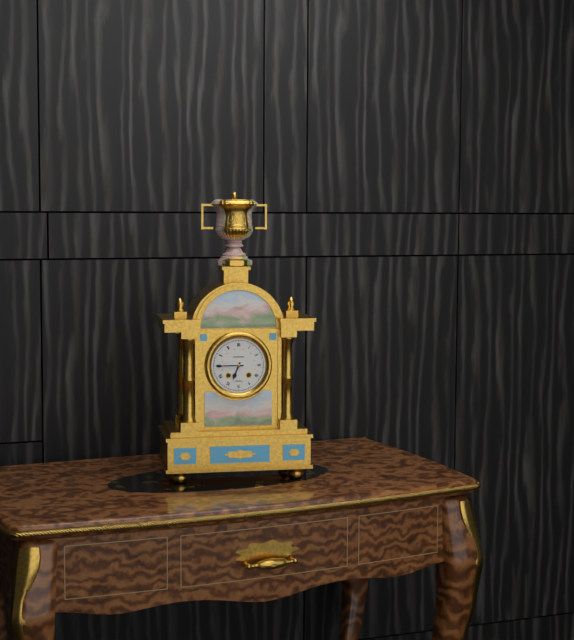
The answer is h=6 m=45
